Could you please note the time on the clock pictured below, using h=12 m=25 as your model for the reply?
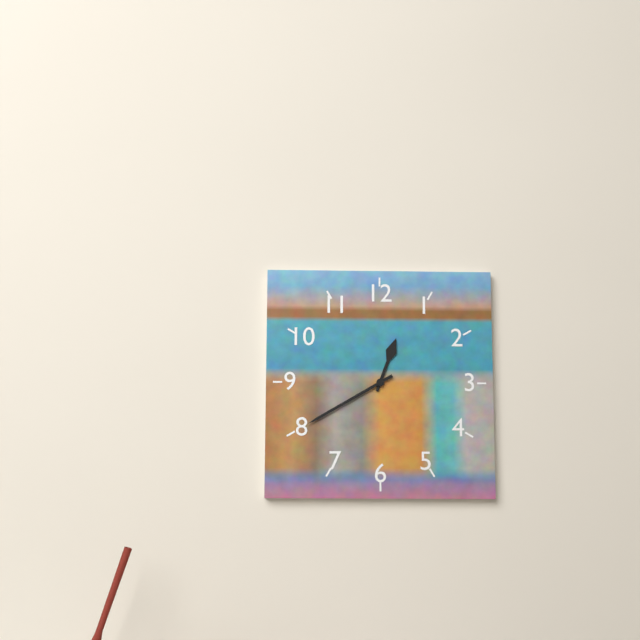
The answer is h=12 m=40
